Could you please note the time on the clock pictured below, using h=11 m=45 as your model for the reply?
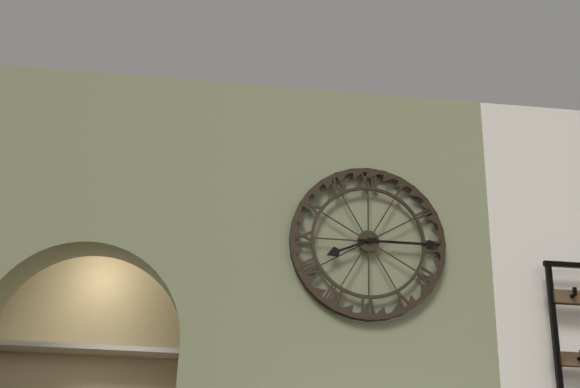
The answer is h=8 m=15
